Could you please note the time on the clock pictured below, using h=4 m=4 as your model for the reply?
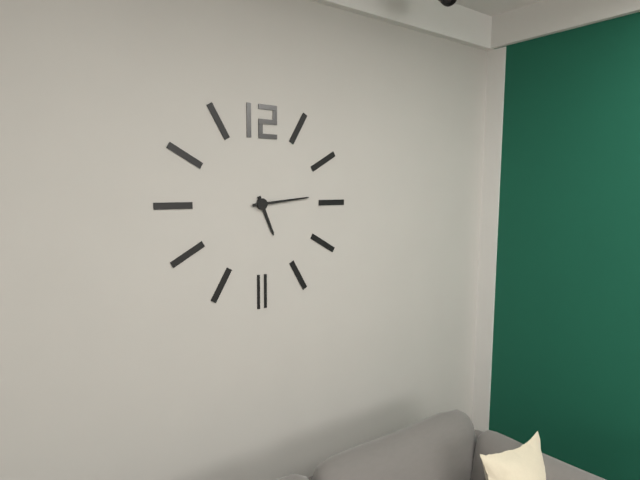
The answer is h=5 m=14
